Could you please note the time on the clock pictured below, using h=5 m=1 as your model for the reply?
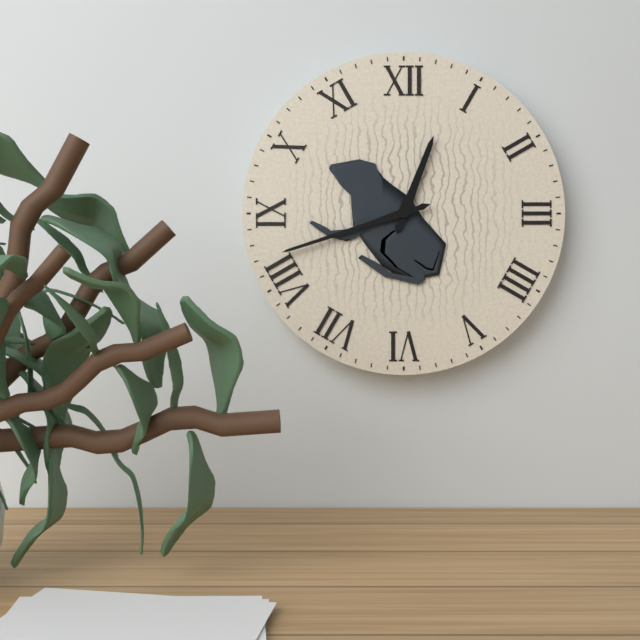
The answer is h=12 m=42
